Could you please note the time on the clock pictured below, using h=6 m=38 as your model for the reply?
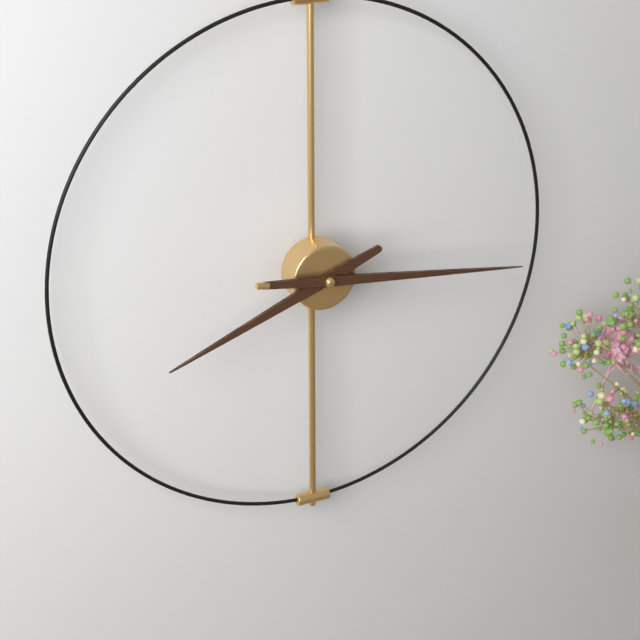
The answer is h=8 m=16
